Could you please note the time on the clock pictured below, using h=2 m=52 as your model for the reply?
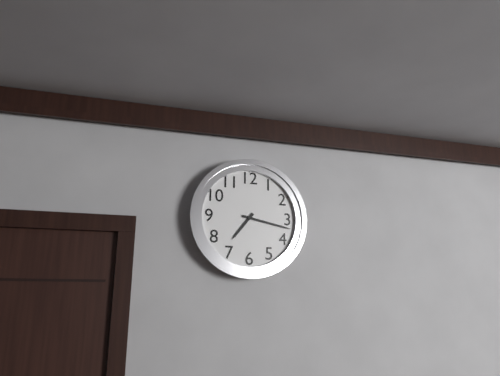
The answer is h=7 m=17
